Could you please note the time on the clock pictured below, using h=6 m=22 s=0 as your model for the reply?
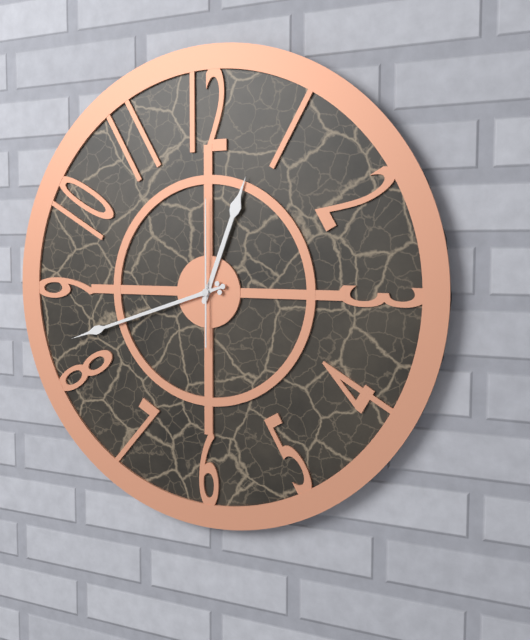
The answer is h=12 m=42 s=0
